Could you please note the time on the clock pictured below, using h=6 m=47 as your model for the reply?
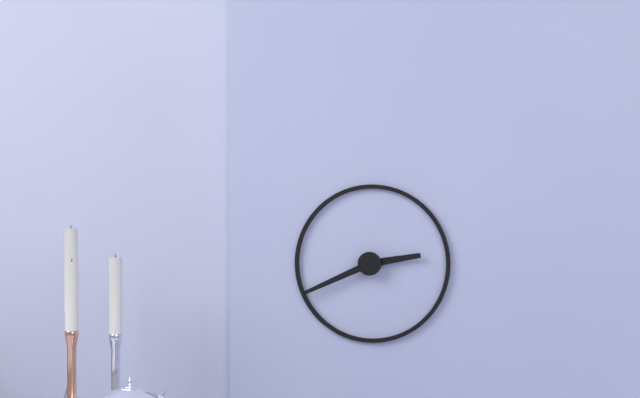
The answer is h=2 m=41
